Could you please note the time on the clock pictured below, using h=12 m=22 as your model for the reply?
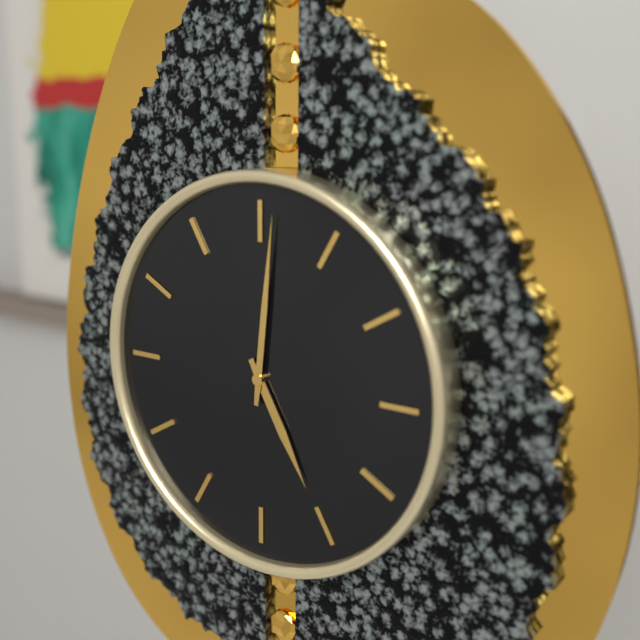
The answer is h=5 m=1
